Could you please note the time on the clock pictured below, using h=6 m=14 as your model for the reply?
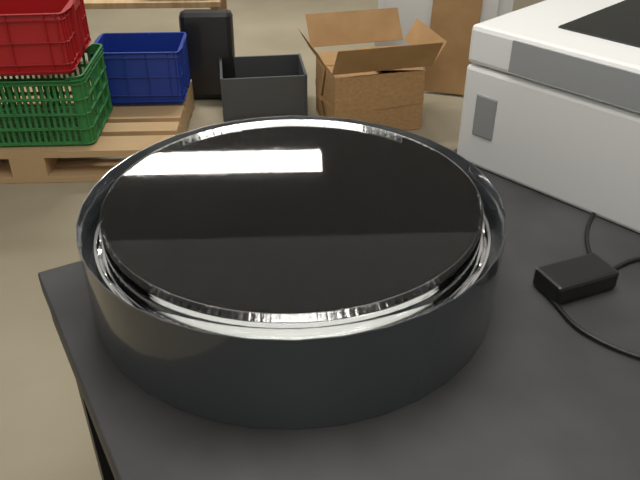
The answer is h=12 m=17
